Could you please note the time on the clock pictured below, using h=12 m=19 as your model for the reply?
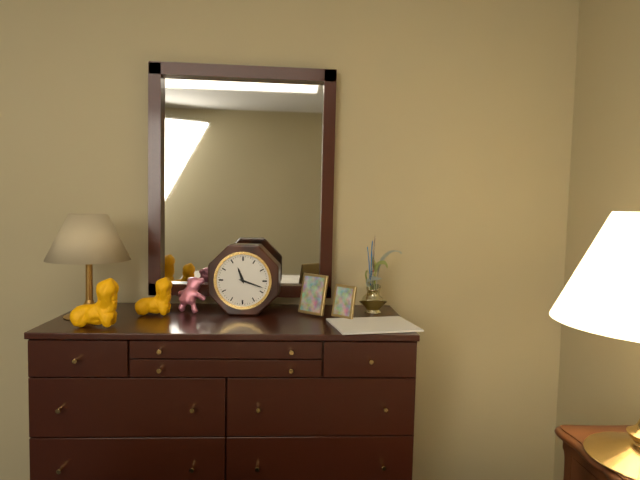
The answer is h=11 m=18
